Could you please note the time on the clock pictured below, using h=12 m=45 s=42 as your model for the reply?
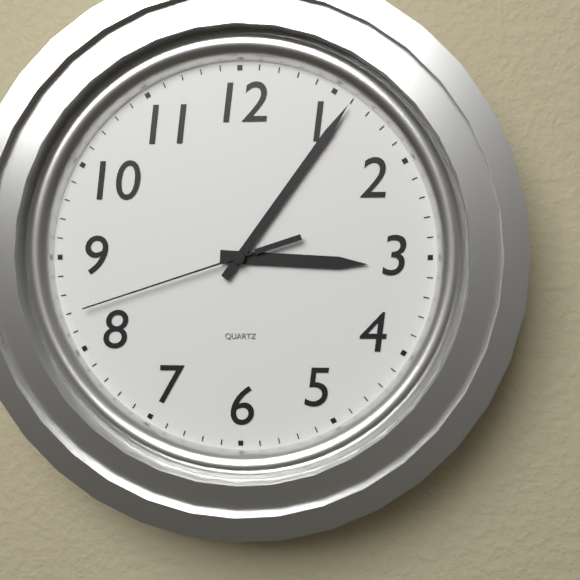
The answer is h=3 m=6 s=42
